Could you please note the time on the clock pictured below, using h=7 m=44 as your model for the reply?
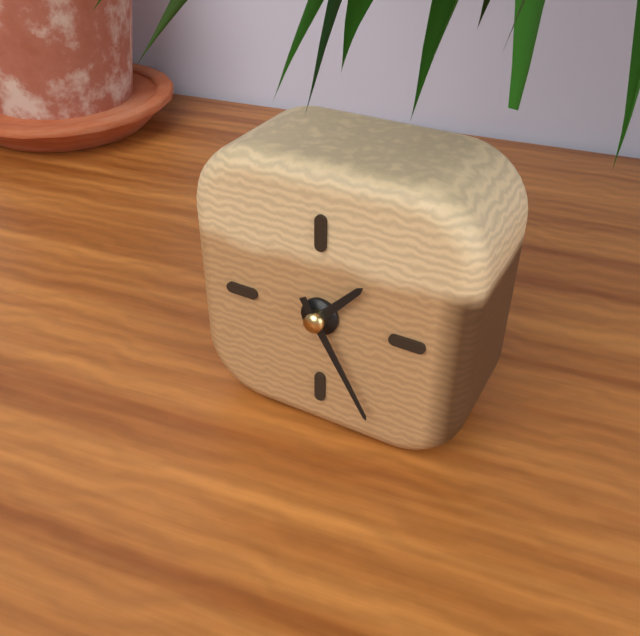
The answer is h=1 m=25
